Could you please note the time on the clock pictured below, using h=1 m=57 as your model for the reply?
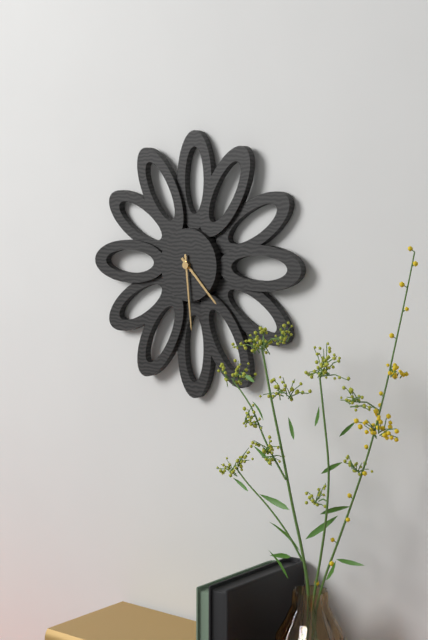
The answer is h=4 m=29
